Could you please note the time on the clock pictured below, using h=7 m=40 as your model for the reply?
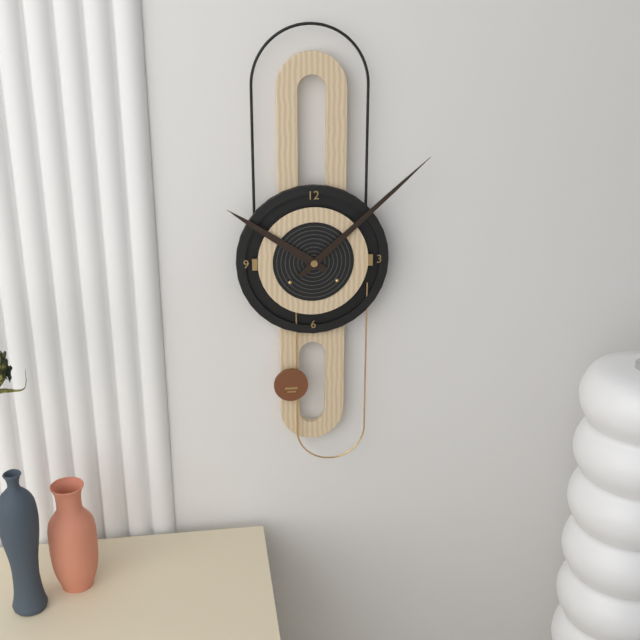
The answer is h=10 m=8
